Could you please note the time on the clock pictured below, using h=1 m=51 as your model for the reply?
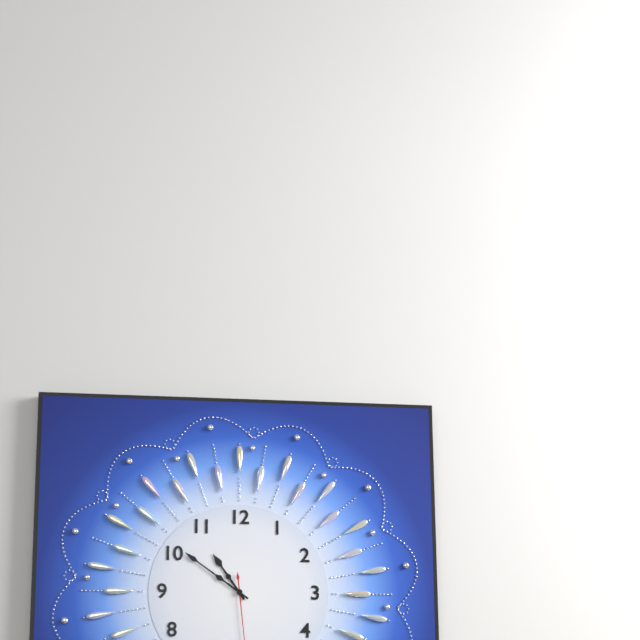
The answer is h=10 m=51
